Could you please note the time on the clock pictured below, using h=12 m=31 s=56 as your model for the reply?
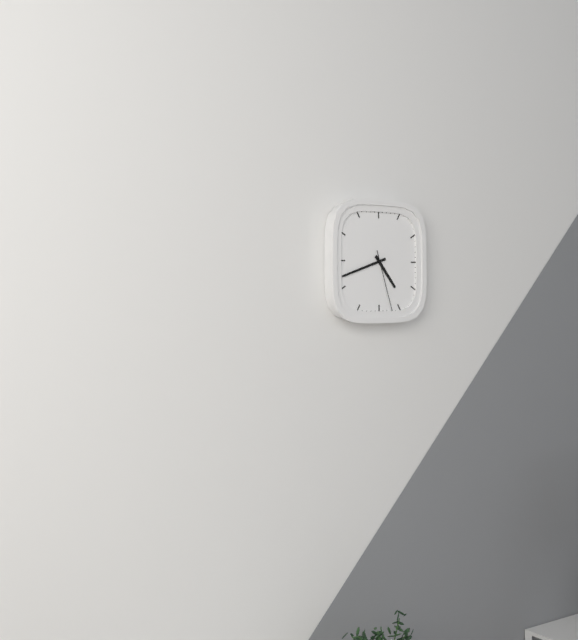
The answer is h=4 m=42 s=27
